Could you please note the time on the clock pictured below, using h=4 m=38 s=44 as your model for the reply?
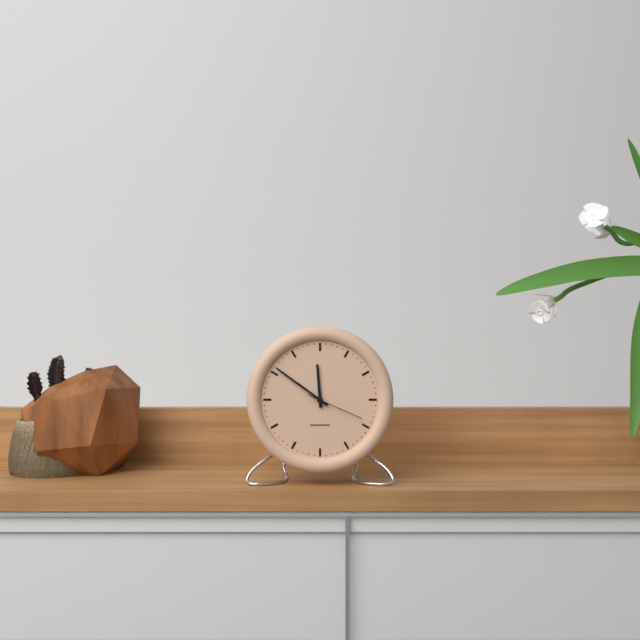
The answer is h=11 m=51 s=19
